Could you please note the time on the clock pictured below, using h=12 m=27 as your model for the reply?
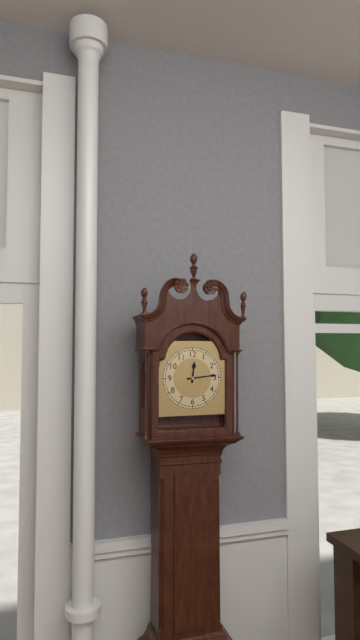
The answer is h=12 m=14
